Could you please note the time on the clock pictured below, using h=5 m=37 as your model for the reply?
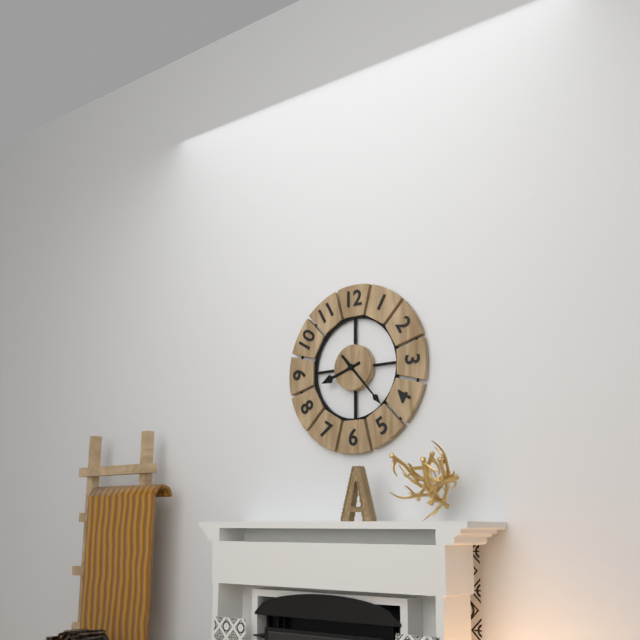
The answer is h=8 m=23
